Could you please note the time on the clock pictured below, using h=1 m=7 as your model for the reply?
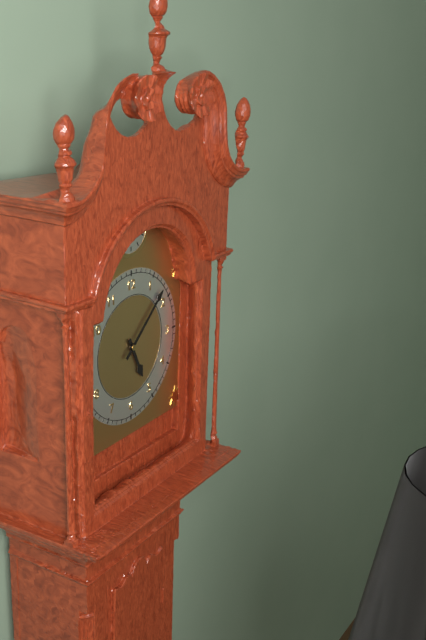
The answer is h=5 m=8
